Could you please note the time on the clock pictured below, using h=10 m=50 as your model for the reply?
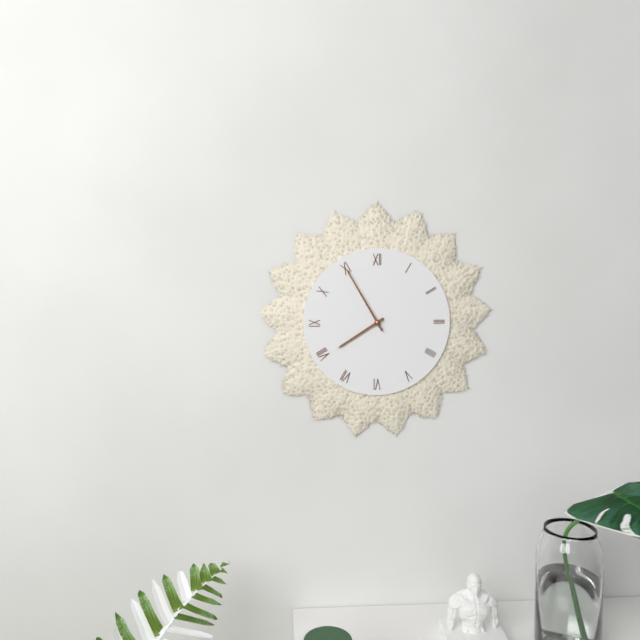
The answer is h=7 m=55
